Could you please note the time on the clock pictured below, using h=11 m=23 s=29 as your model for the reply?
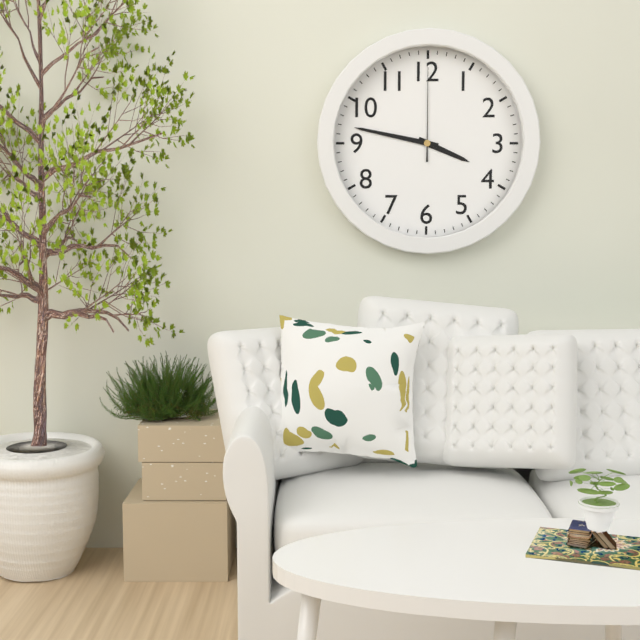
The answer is h=3 m=47 s=0
